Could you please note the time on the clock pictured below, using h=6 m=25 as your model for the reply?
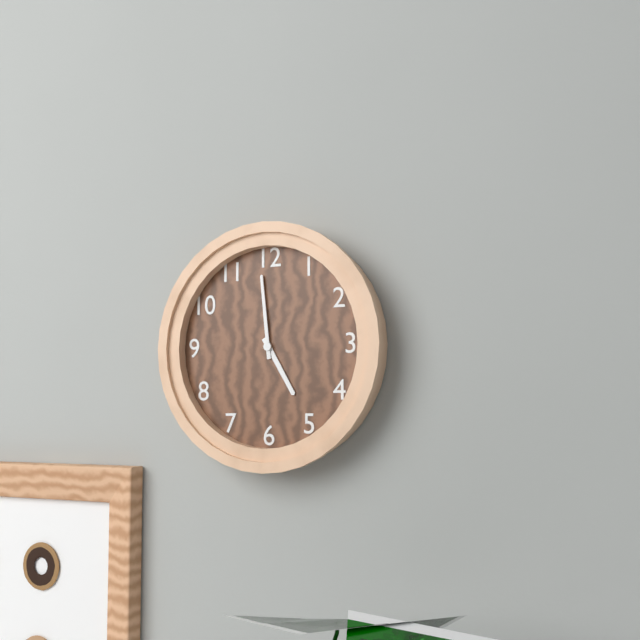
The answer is h=4 m=59
